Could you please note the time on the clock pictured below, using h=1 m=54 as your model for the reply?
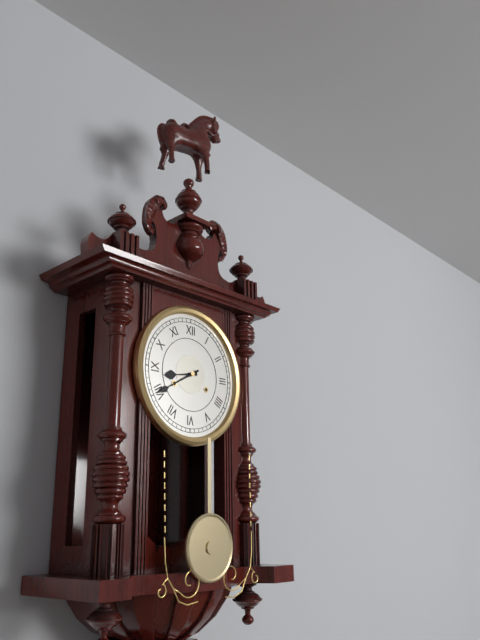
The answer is h=8 m=40
